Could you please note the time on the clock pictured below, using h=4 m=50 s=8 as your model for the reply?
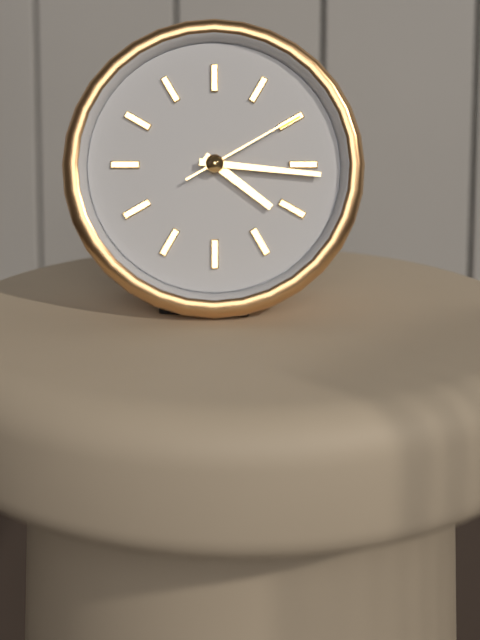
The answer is h=4 m=16 s=10
